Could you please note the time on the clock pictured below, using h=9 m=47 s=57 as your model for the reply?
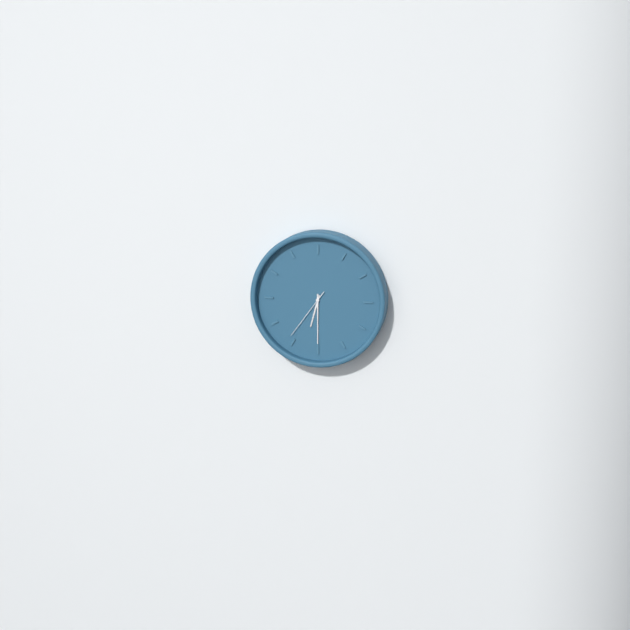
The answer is h=6 m=30 s=36
